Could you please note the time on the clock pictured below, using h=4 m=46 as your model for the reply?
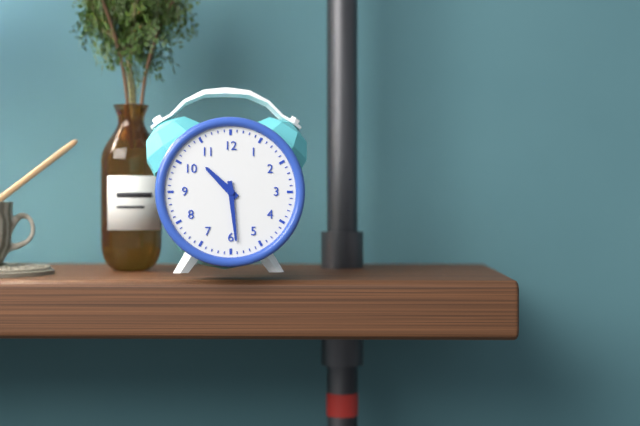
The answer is h=10 m=29
